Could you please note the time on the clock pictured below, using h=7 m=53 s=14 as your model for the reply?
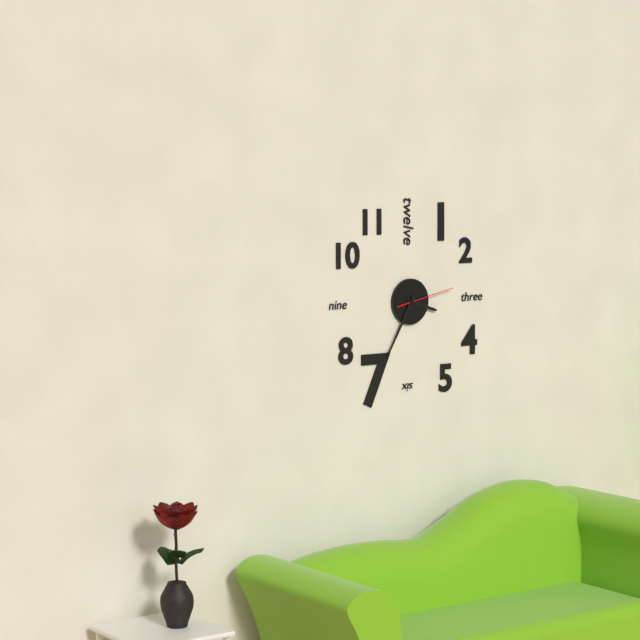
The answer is h=3 m=35 s=13
